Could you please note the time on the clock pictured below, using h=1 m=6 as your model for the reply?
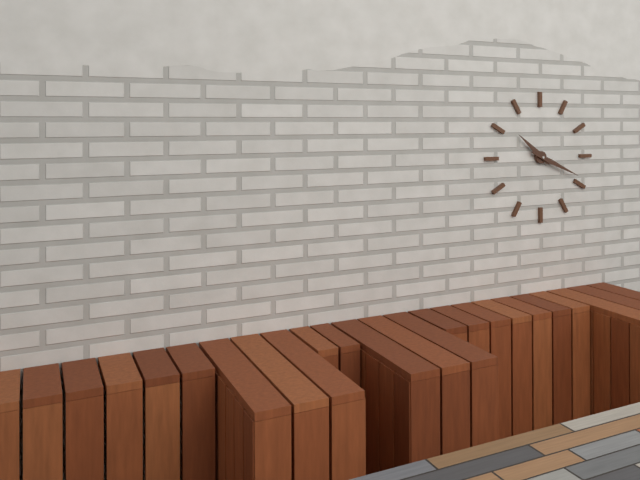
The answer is h=10 m=19
